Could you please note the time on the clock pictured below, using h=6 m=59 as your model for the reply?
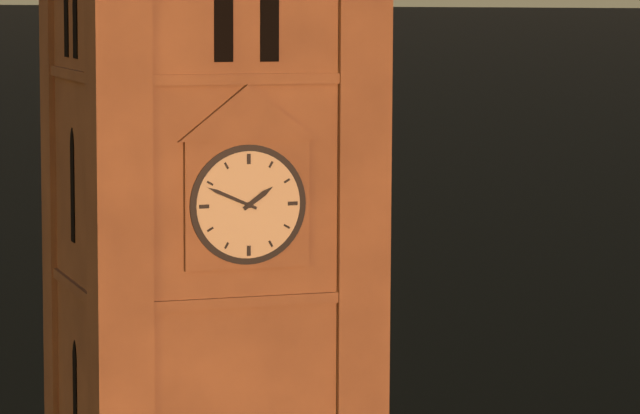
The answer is h=1 m=49
